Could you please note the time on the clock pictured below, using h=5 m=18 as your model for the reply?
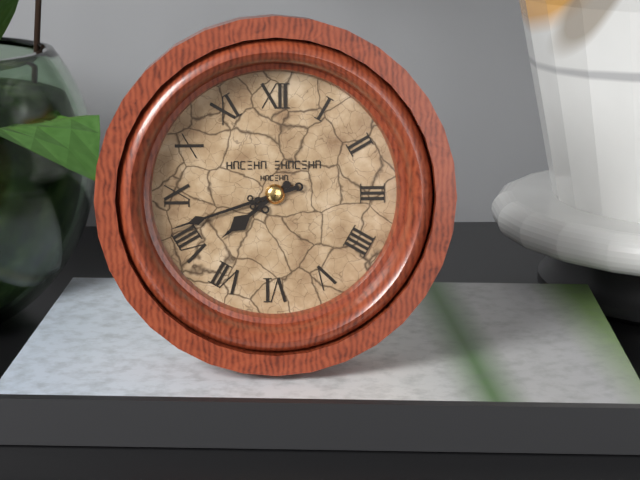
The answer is h=7 m=42
